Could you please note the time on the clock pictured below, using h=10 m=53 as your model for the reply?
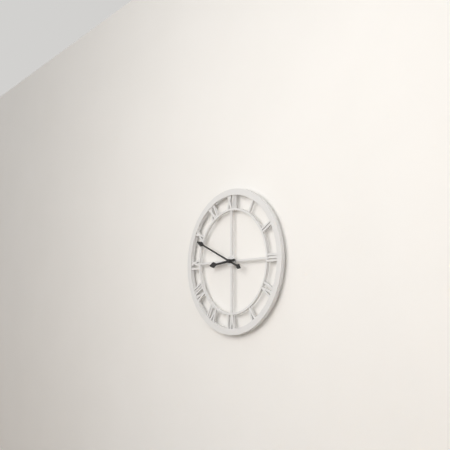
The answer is h=8 m=49
